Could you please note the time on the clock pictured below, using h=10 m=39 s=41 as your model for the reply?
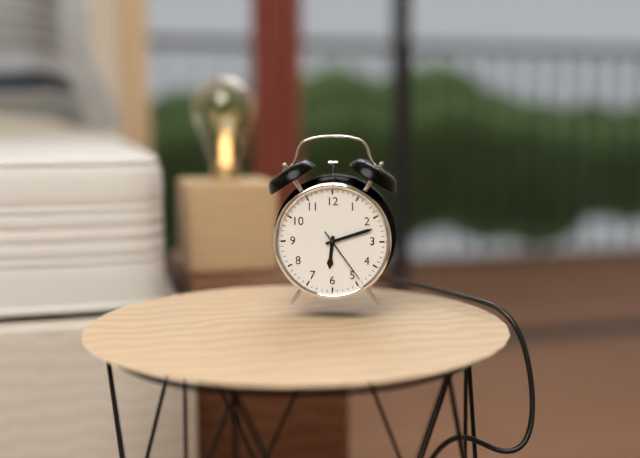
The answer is h=6 m=12 s=24
